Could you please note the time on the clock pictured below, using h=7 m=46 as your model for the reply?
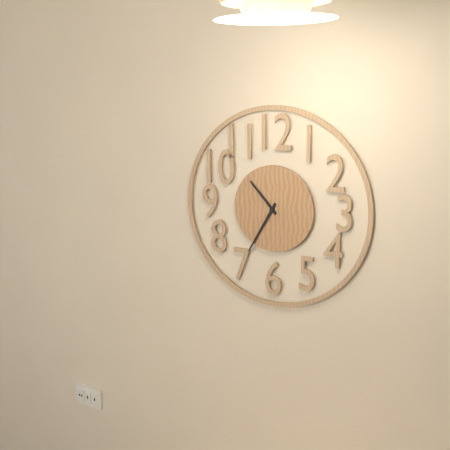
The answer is h=10 m=35
